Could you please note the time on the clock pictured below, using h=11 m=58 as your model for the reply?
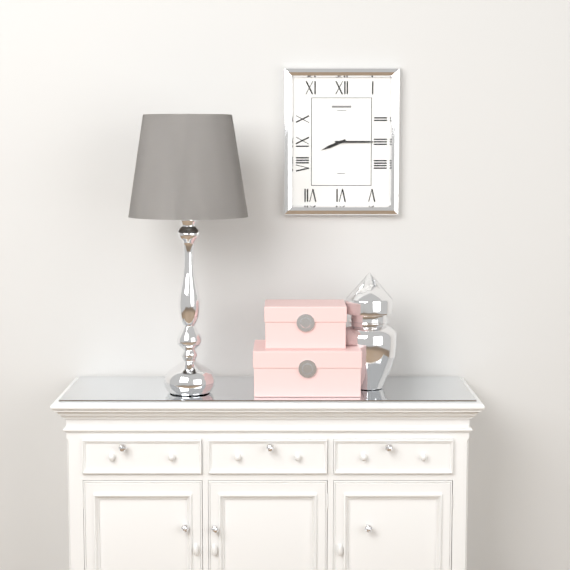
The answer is h=8 m=15
